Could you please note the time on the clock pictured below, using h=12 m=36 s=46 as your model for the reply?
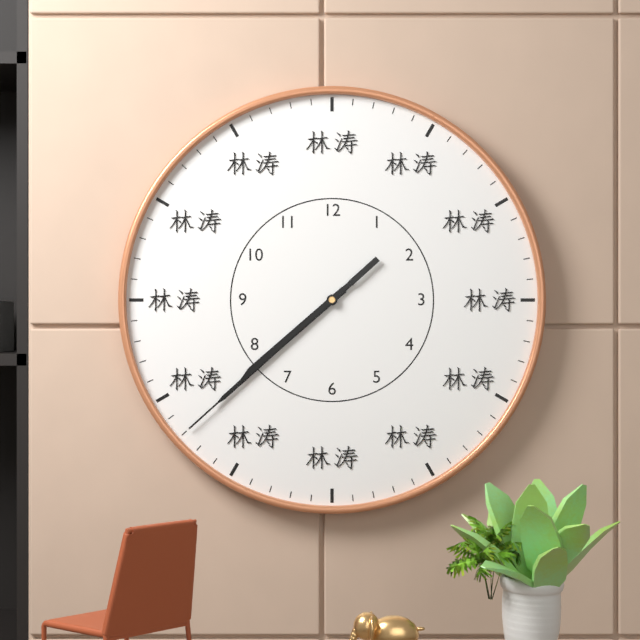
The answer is h=7 m=38 s=38
